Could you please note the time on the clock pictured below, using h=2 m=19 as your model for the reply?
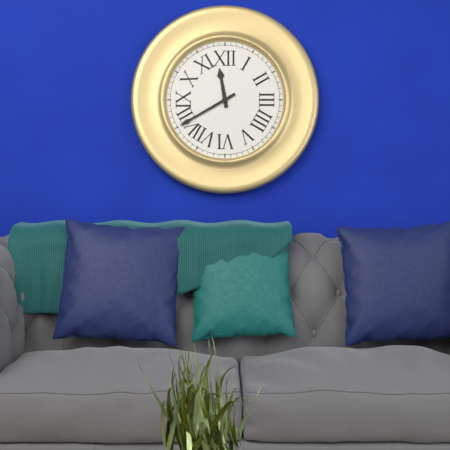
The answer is h=11 m=40
